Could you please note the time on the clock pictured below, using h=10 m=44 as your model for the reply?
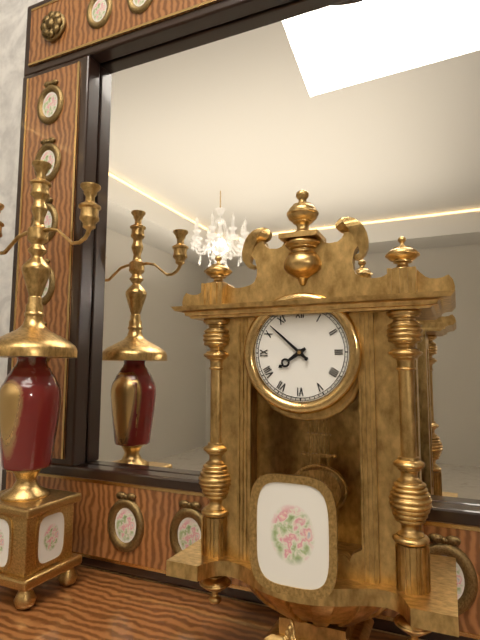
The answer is h=7 m=52
